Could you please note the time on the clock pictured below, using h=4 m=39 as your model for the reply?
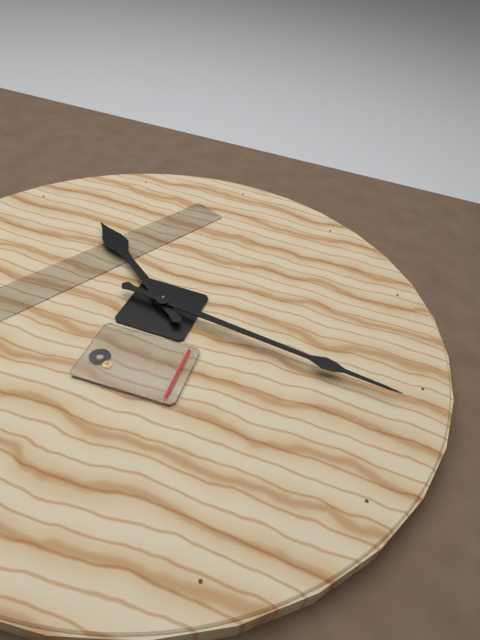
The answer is h=10 m=16
